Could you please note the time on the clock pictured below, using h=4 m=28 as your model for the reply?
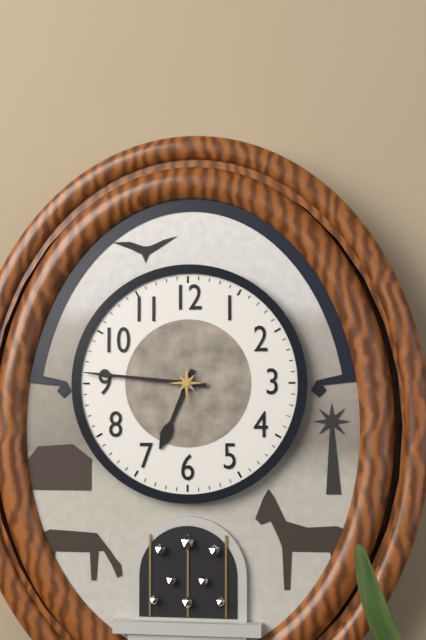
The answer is h=6 m=46
